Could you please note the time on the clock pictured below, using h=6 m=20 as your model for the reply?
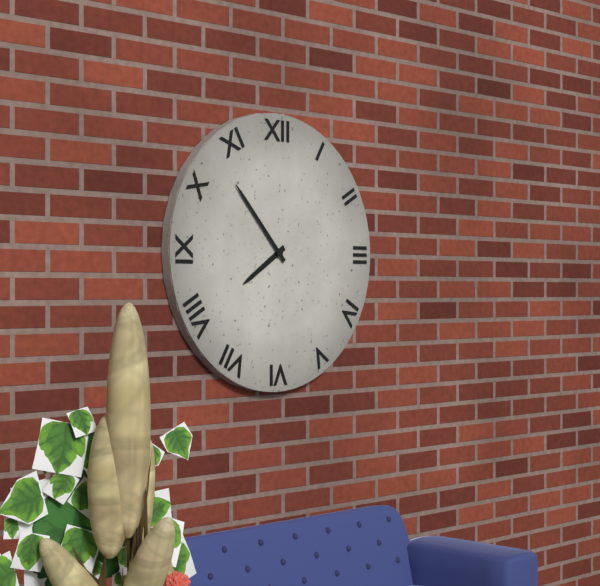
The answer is h=7 m=53
